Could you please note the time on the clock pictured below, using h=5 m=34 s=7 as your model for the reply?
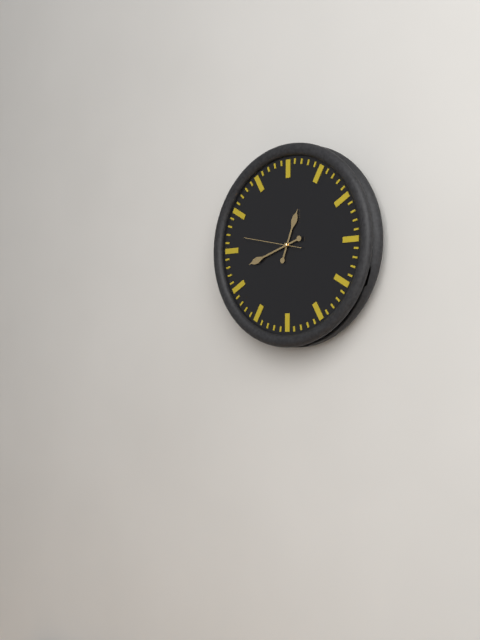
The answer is h=12 m=42 s=47
